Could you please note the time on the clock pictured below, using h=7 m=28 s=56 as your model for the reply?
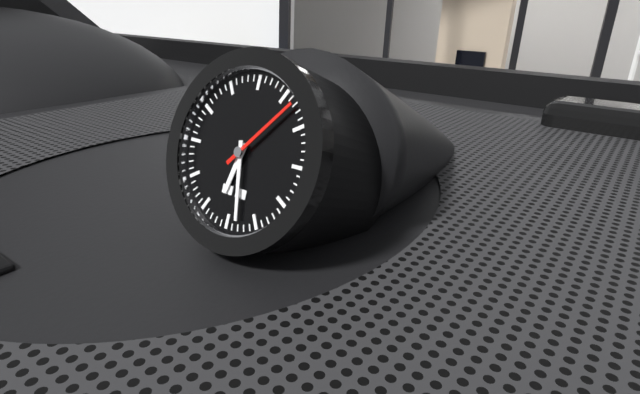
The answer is h=6 m=28 s=7
